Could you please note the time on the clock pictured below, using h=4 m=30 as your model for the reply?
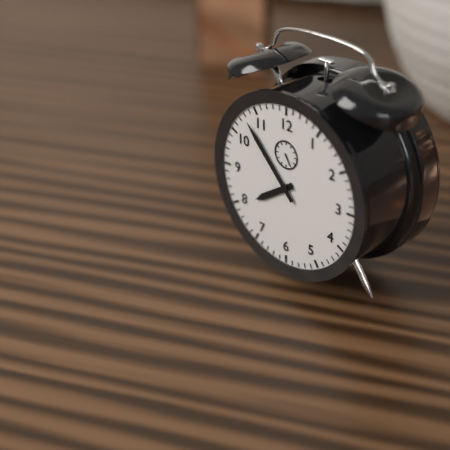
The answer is h=7 m=53
